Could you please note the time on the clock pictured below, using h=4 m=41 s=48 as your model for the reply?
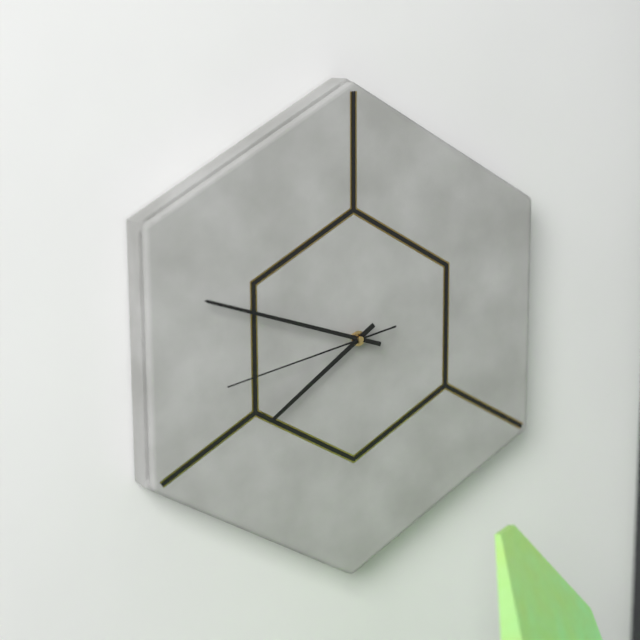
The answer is h=7 m=48 s=43
